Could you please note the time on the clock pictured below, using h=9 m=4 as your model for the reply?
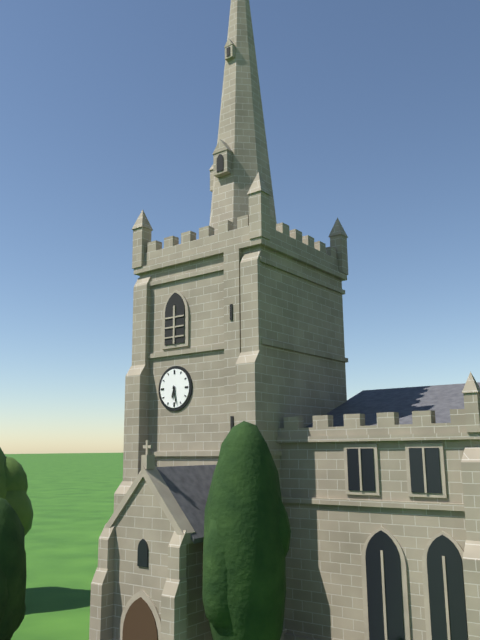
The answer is h=6 m=28
